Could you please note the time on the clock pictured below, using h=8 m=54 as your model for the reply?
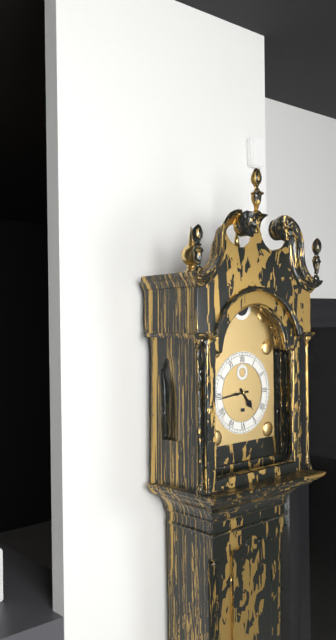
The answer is h=4 m=44
